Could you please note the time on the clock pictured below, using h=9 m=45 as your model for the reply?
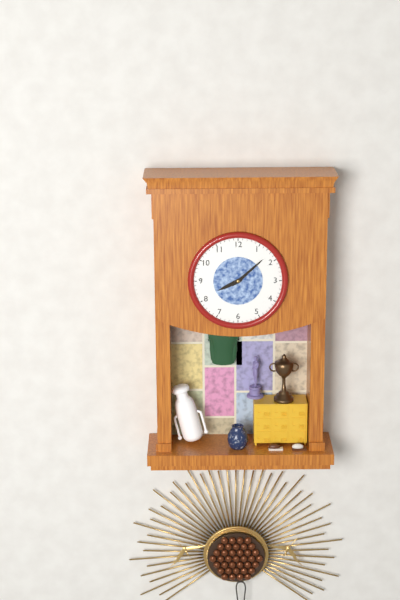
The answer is h=8 m=8
